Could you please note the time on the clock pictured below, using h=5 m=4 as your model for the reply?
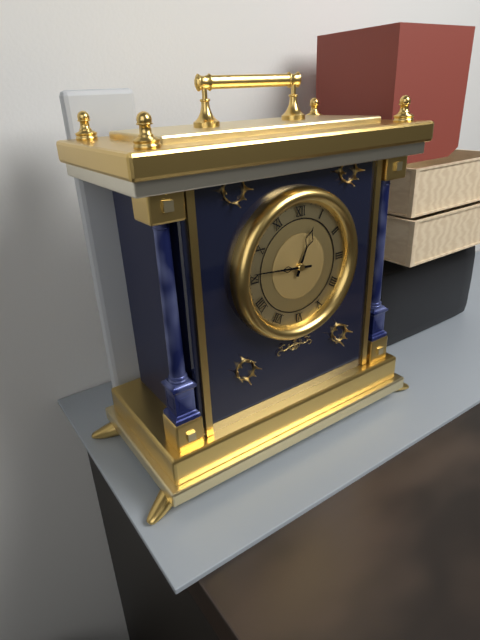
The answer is h=12 m=46
